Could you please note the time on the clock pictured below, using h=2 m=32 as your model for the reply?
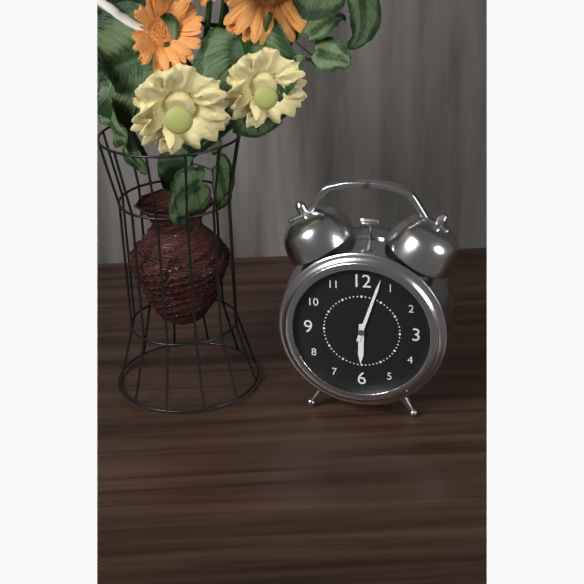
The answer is h=6 m=3
